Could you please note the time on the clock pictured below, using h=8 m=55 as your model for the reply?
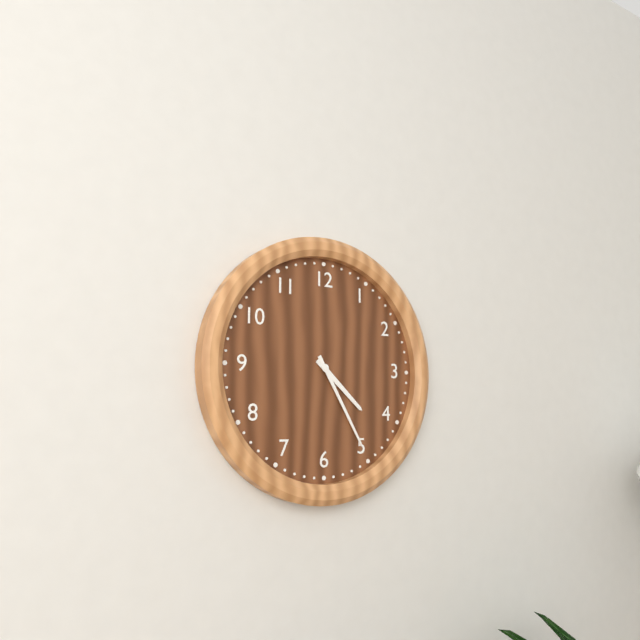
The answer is h=4 m=25
